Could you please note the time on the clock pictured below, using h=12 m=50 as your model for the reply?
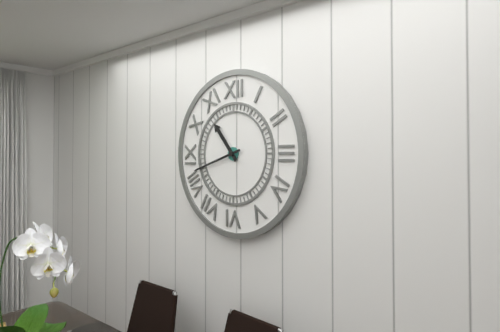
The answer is h=10 m=42
